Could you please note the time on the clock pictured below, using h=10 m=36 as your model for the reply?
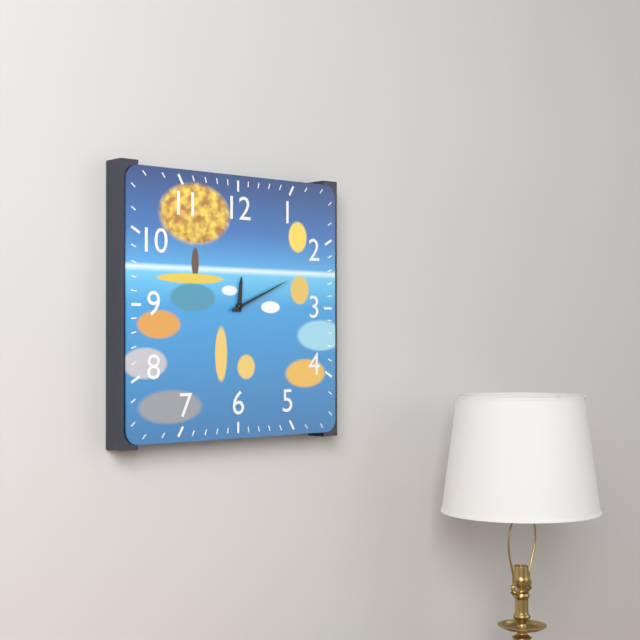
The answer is h=12 m=11
